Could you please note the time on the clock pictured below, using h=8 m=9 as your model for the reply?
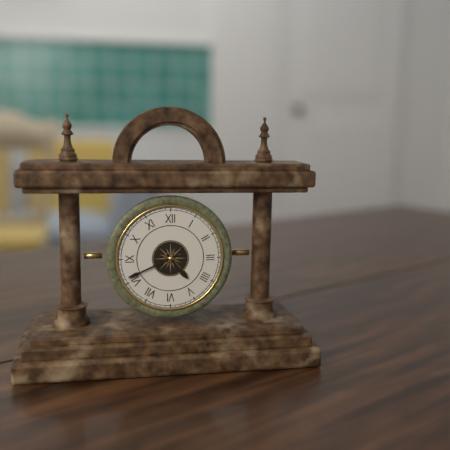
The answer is h=4 m=41
